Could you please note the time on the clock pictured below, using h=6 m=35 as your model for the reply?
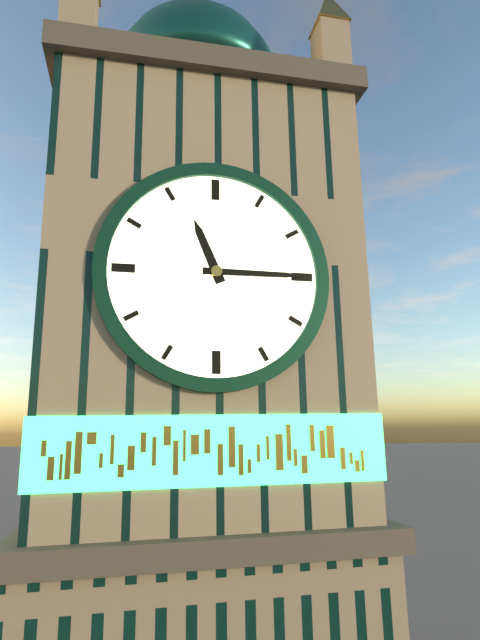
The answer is h=11 m=15
